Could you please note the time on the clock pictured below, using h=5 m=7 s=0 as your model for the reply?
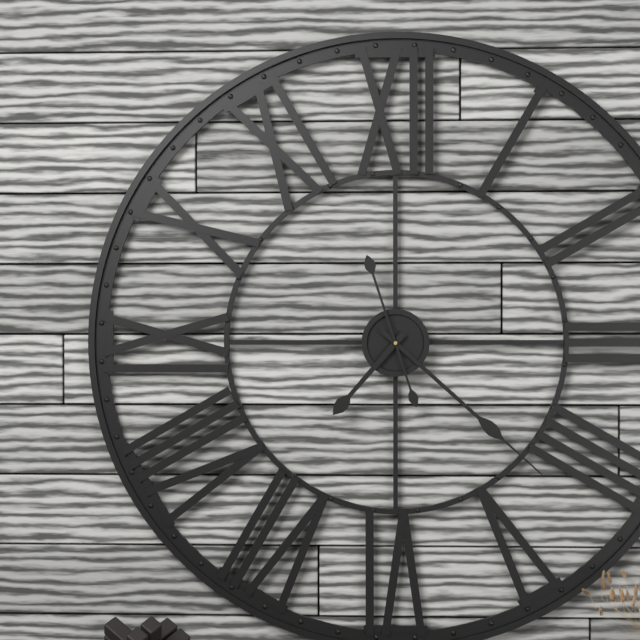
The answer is h=7 m=22 s=57
